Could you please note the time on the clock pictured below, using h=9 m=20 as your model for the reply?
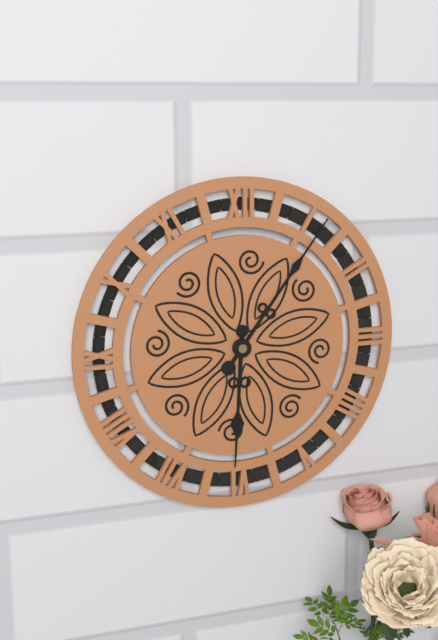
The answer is h=6 m=6
